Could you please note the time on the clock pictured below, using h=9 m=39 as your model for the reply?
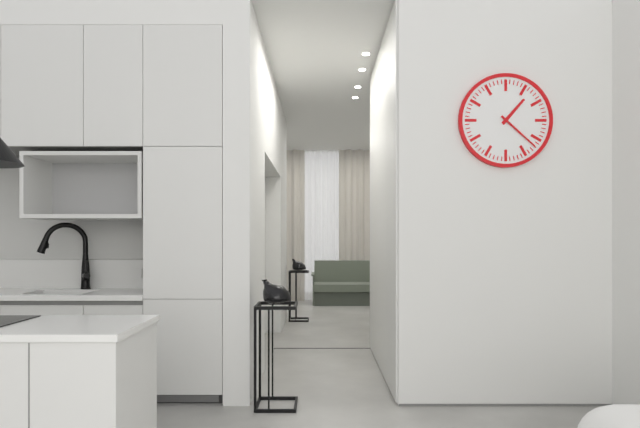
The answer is h=1 m=22
